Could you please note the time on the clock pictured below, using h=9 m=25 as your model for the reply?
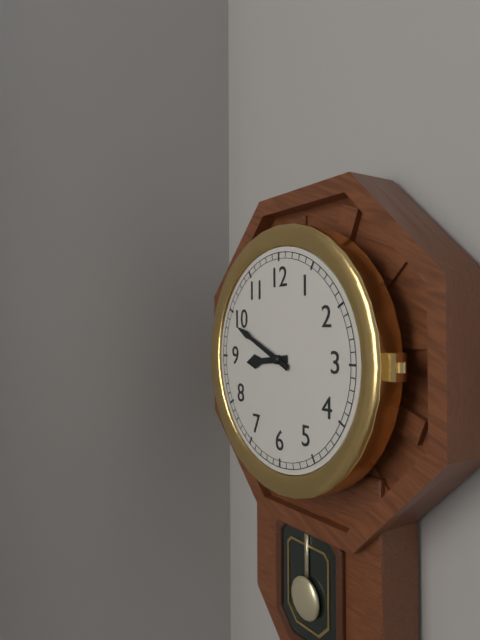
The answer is h=8 m=49
